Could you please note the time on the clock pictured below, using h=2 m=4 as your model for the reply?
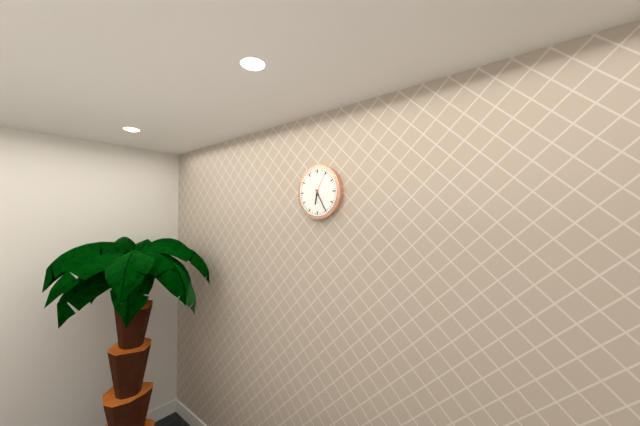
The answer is h=6 m=25
